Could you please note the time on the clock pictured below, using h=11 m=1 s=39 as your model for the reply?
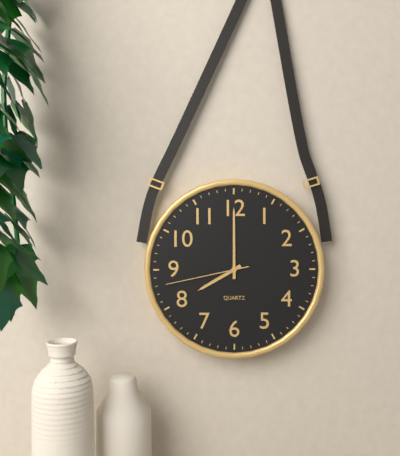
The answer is h=8 m=0 s=43
